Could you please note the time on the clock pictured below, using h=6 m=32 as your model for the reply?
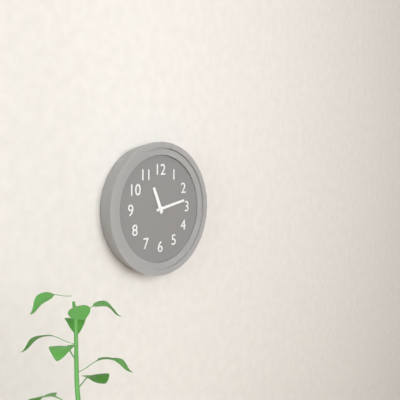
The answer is h=11 m=13
